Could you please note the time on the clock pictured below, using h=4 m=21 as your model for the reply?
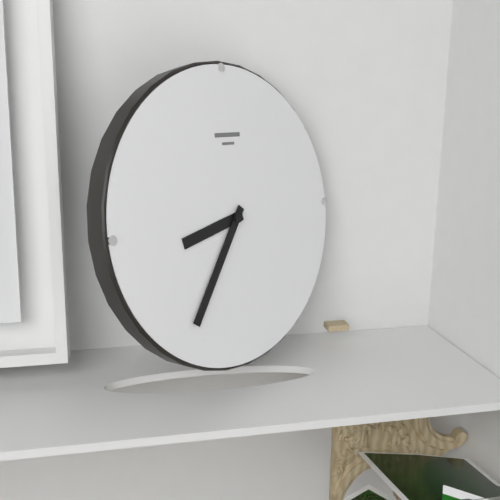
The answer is h=8 m=36
